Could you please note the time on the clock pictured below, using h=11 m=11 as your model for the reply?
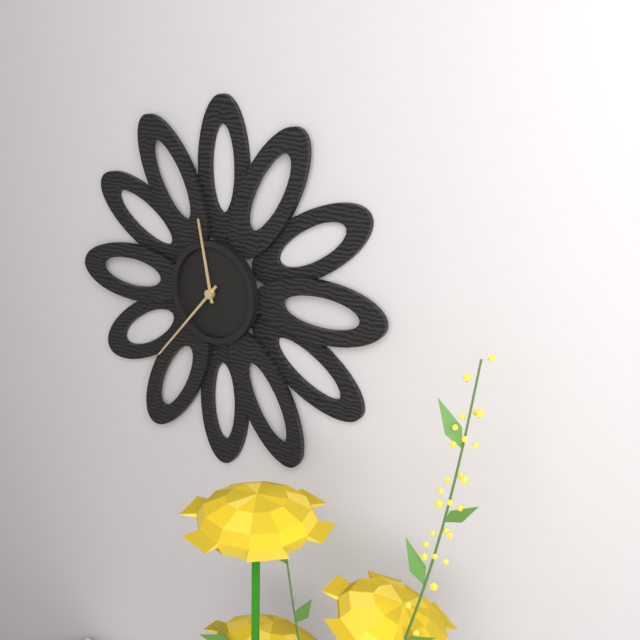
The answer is h=11 m=37
